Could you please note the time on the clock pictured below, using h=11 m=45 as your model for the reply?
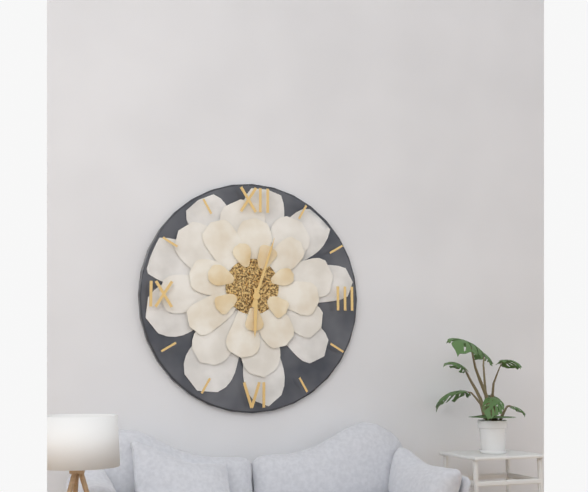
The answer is h=6 m=3
